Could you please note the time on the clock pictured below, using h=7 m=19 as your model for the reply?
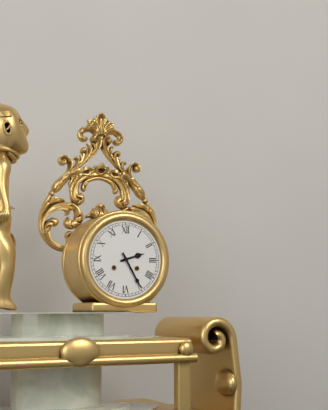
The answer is h=2 m=25
